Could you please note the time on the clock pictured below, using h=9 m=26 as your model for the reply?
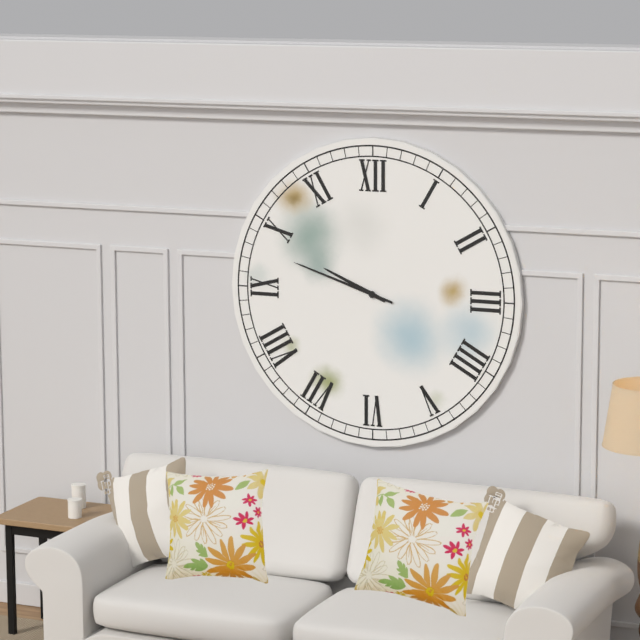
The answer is h=9 m=48
